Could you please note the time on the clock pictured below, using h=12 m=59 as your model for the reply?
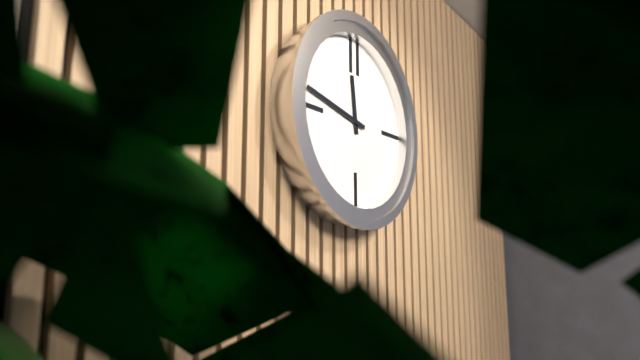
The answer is h=11 m=47
